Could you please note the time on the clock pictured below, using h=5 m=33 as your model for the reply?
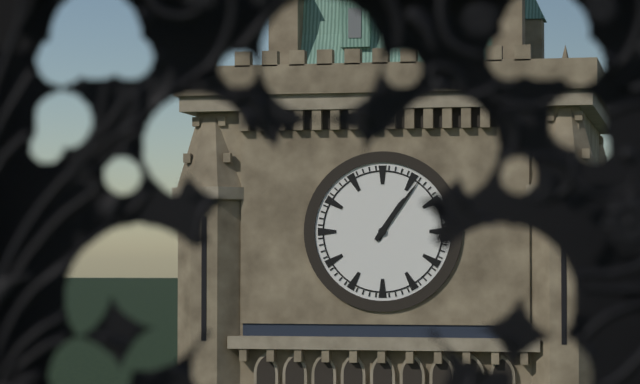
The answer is h=1 m=6
